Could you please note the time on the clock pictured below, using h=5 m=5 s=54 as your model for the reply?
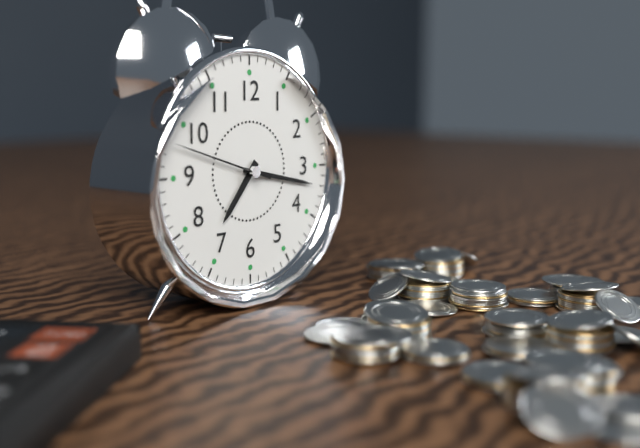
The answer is h=7 m=17 s=48
